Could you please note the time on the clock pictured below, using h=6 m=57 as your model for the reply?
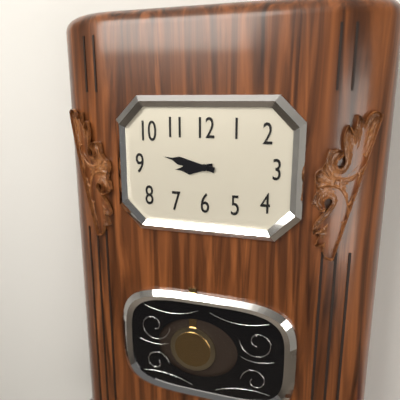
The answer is h=8 m=47
